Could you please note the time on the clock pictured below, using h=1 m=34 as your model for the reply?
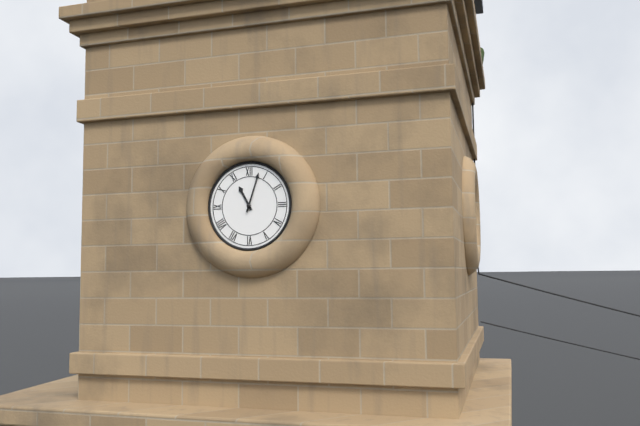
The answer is h=11 m=3
